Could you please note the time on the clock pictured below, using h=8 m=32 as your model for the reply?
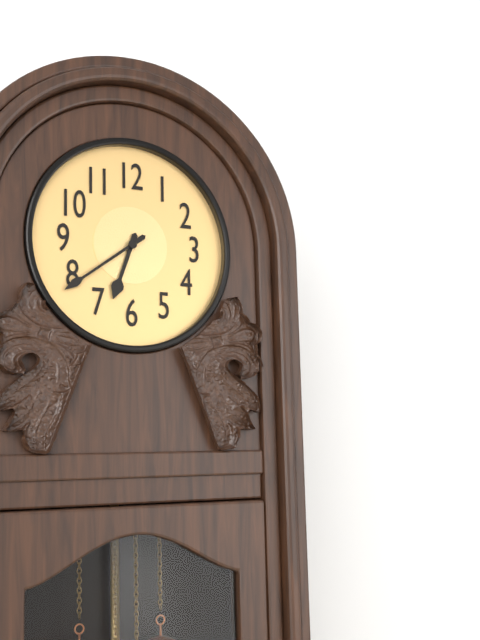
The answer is h=6 m=39
